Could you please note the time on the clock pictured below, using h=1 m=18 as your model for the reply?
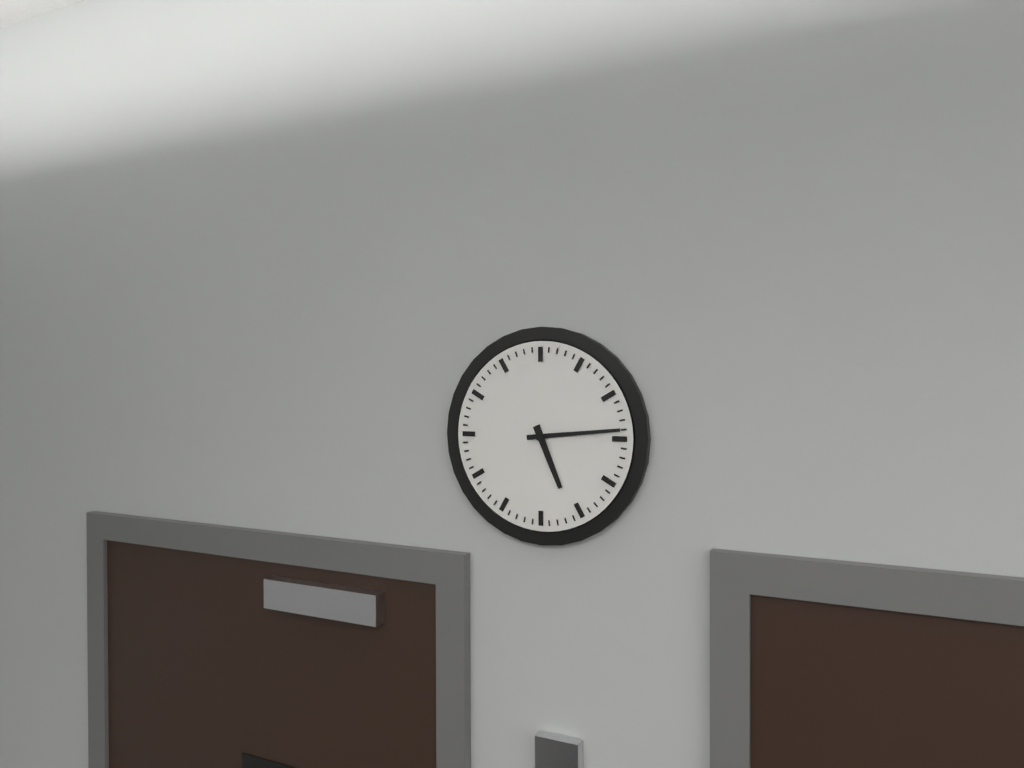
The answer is h=5 m=14
